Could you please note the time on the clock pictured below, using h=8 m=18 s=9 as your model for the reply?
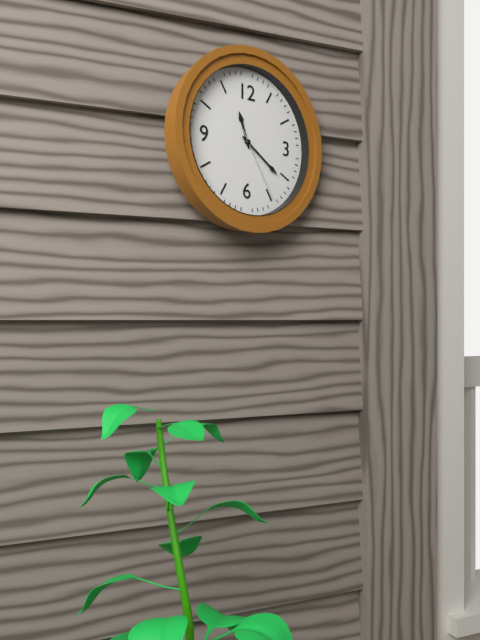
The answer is h=11 m=21 s=25
